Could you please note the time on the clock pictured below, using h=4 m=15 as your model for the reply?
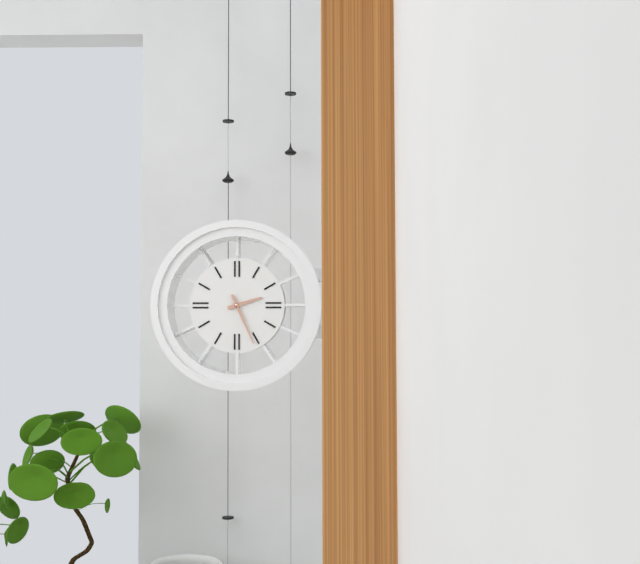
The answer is h=2 m=26
